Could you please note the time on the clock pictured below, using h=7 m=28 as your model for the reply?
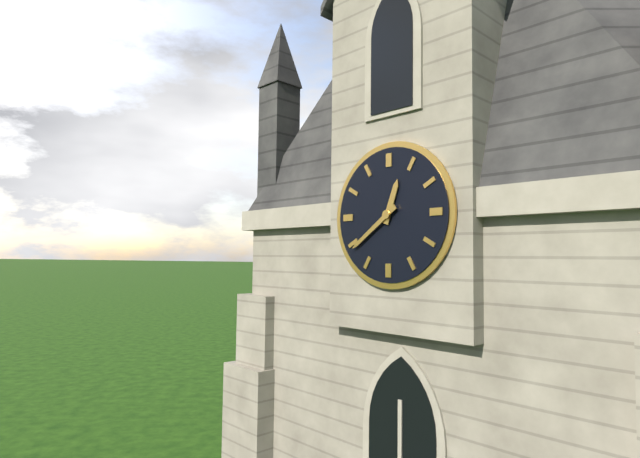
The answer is h=12 m=39
